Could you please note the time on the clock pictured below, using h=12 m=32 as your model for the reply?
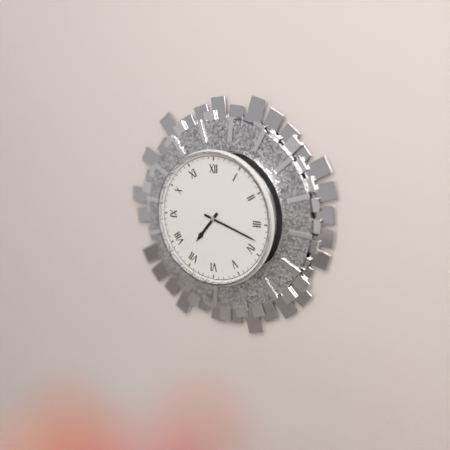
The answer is h=7 m=18
